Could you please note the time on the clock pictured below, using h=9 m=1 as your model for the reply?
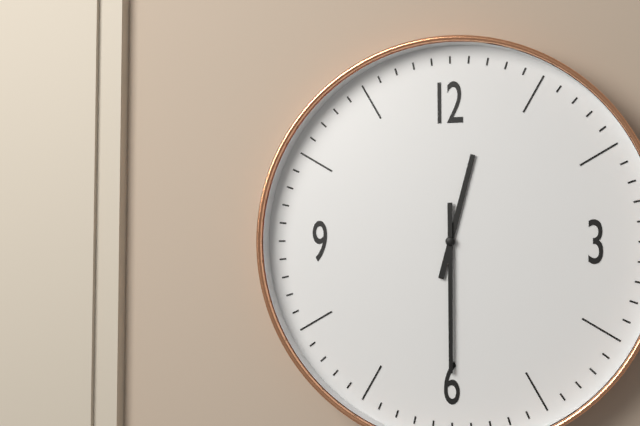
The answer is h=12 m=30
